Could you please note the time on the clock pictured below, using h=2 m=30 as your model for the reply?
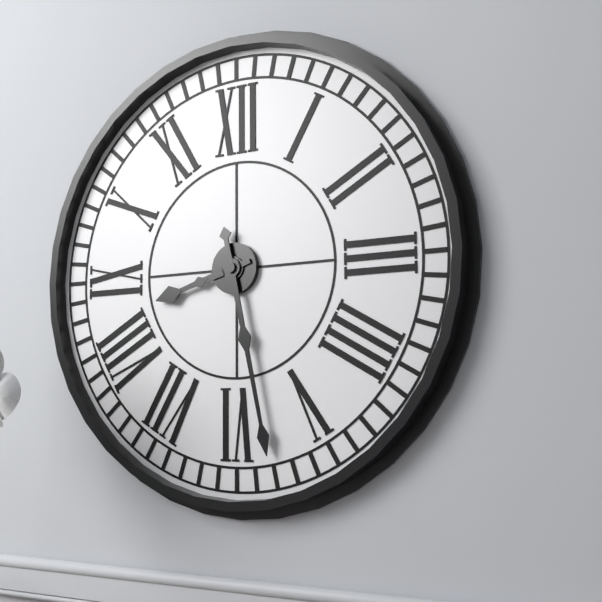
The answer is h=8 m=28
